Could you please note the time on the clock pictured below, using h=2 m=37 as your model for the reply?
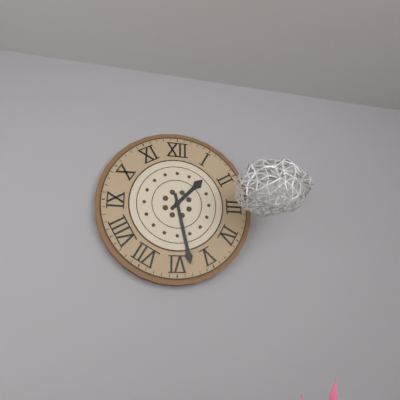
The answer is h=1 m=28
